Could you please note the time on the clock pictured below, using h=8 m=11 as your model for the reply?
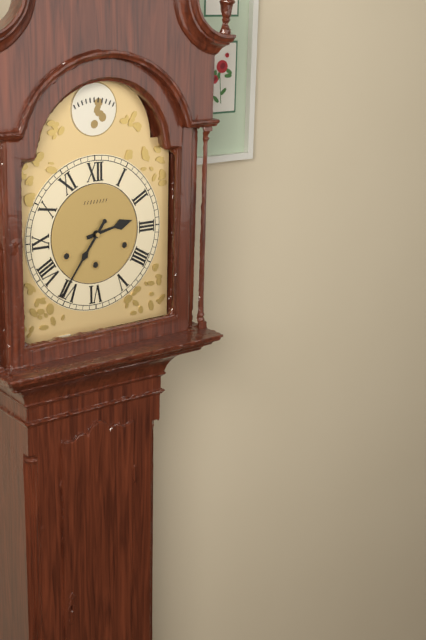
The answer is h=2 m=36
